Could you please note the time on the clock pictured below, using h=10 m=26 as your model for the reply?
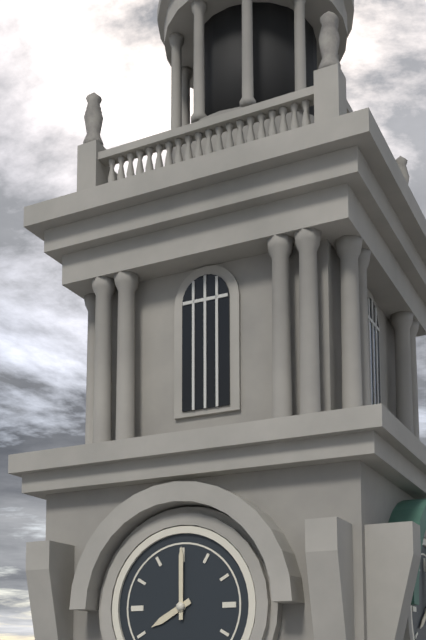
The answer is h=8 m=0
